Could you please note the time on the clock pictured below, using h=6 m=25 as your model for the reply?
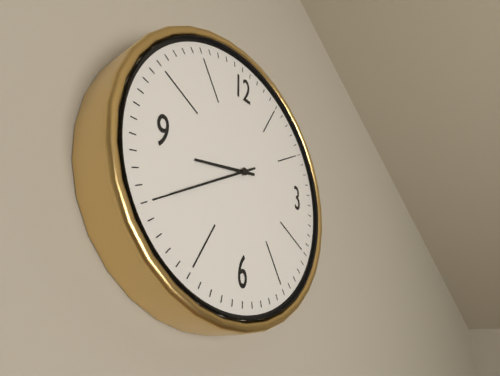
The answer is h=8 m=40
